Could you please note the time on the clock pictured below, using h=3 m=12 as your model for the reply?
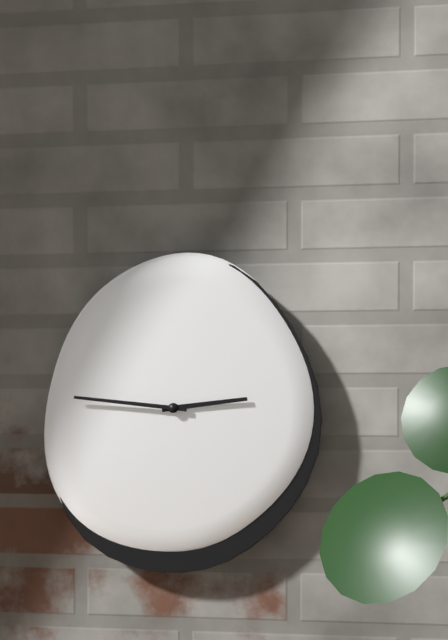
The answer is h=2 m=46
